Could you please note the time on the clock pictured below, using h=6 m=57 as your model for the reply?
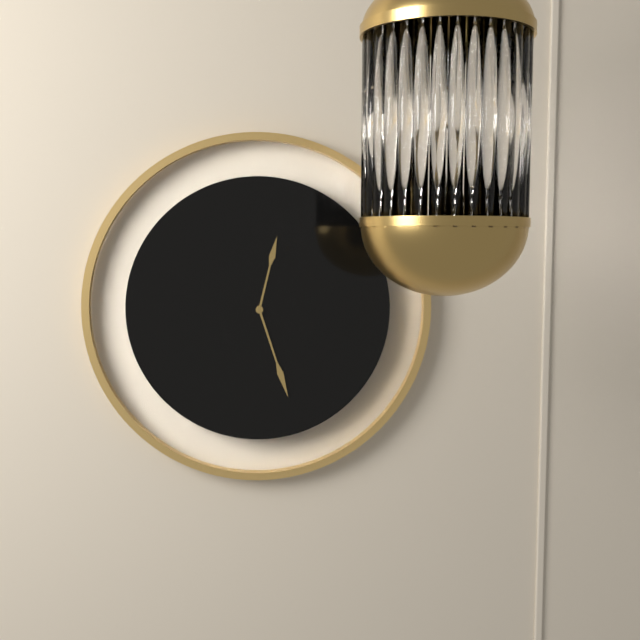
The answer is h=12 m=27
